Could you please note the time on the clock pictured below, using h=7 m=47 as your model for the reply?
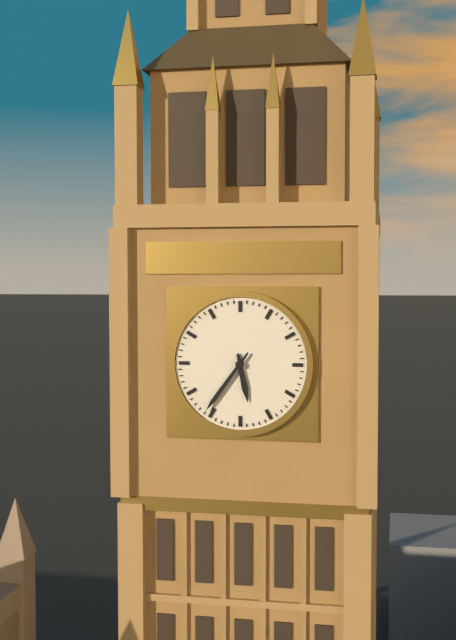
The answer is h=5 m=36
